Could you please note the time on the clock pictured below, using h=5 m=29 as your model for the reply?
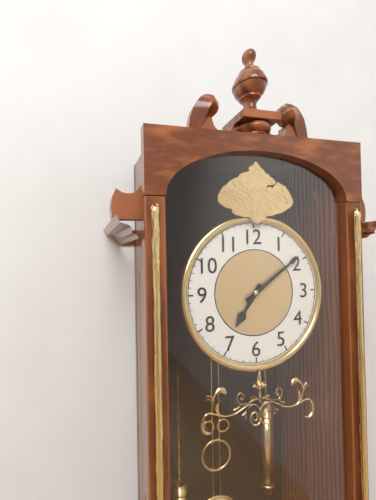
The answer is h=7 m=9
